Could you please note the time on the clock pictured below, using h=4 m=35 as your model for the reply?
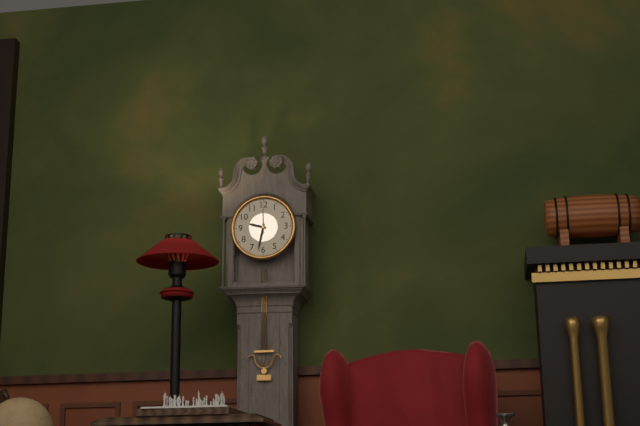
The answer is h=9 m=32
